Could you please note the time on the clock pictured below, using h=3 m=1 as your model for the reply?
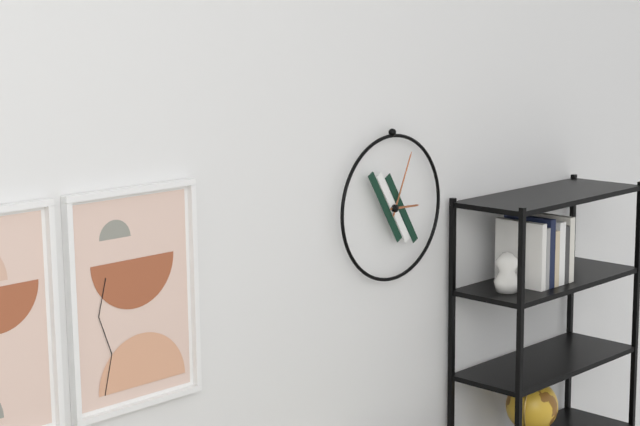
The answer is h=3 m=4
